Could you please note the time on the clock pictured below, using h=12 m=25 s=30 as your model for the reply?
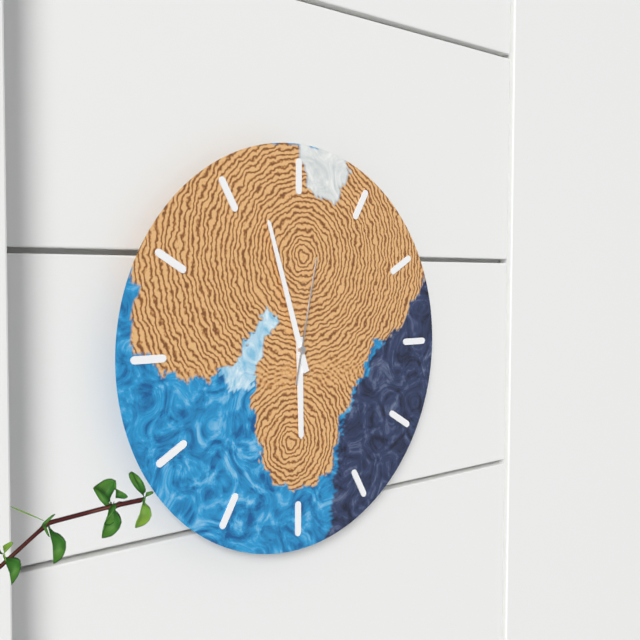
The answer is h=5 m=57 s=2
